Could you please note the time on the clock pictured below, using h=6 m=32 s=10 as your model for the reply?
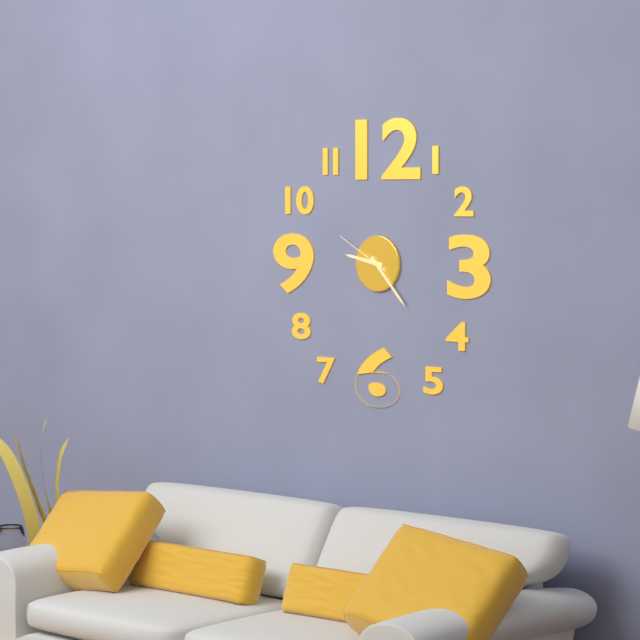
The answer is h=9 m=23 s=50
